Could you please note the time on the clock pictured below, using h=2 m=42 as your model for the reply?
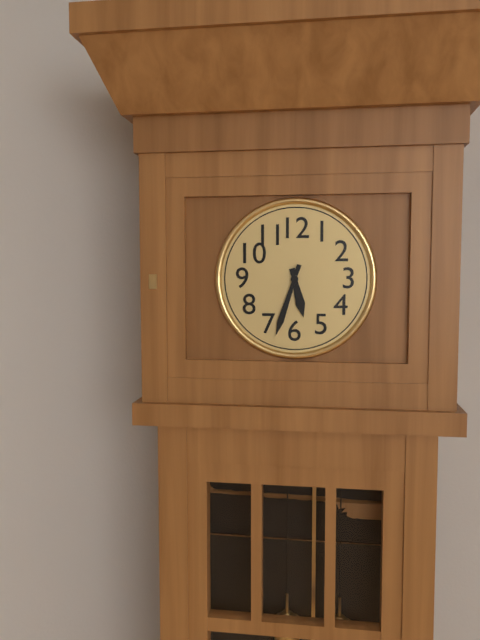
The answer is h=5 m=33
